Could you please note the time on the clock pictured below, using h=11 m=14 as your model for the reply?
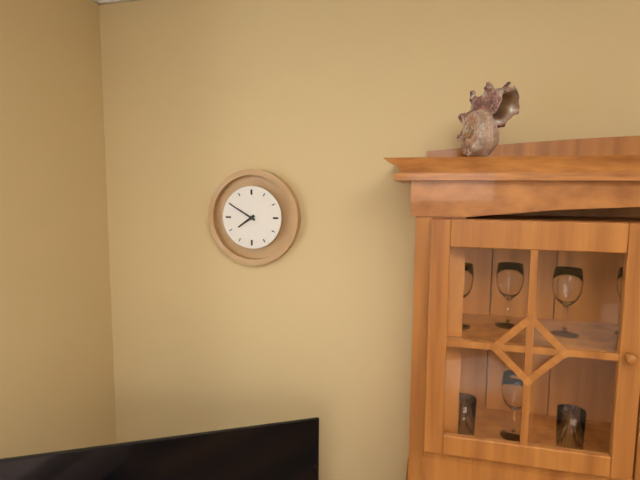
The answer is h=7 m=50
